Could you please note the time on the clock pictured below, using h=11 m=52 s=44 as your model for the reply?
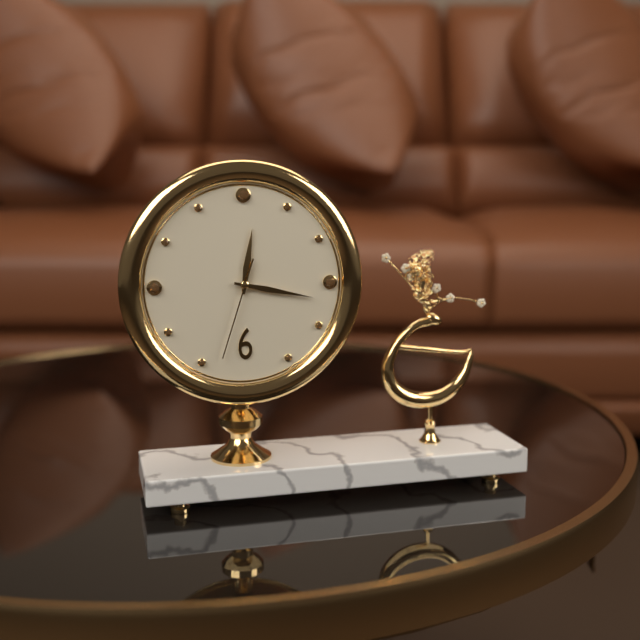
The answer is h=12 m=17 s=33
